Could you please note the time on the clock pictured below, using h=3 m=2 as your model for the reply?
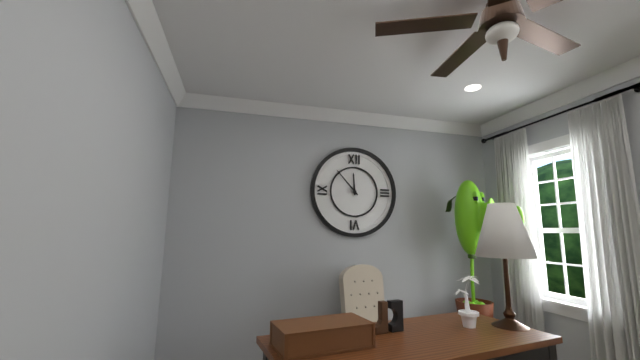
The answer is h=11 m=53
